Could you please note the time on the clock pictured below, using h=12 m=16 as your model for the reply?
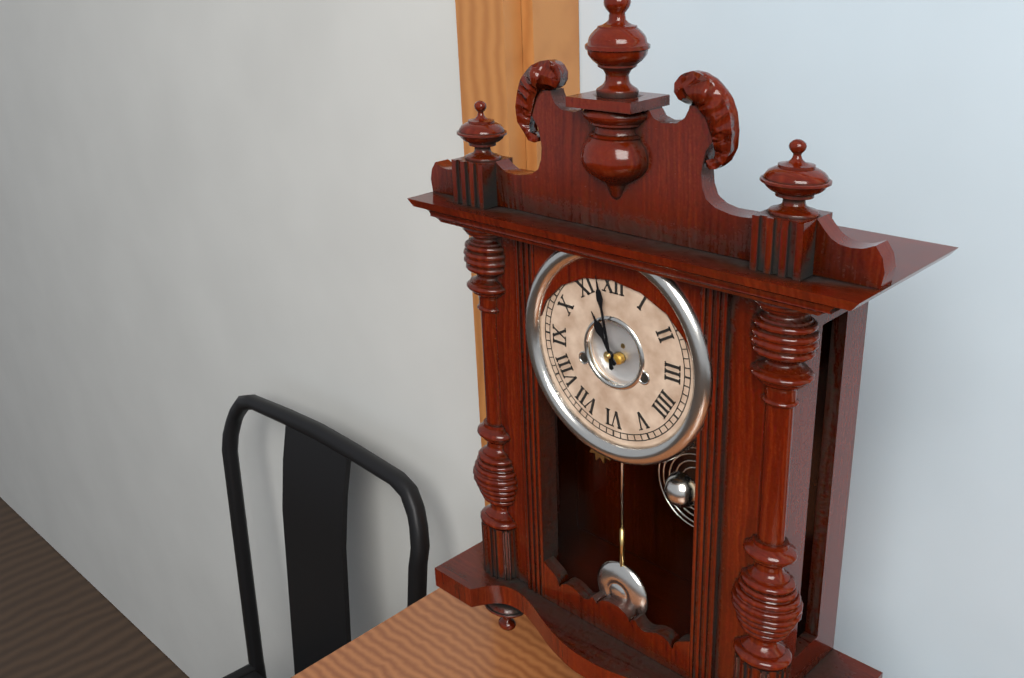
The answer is h=10 m=58
